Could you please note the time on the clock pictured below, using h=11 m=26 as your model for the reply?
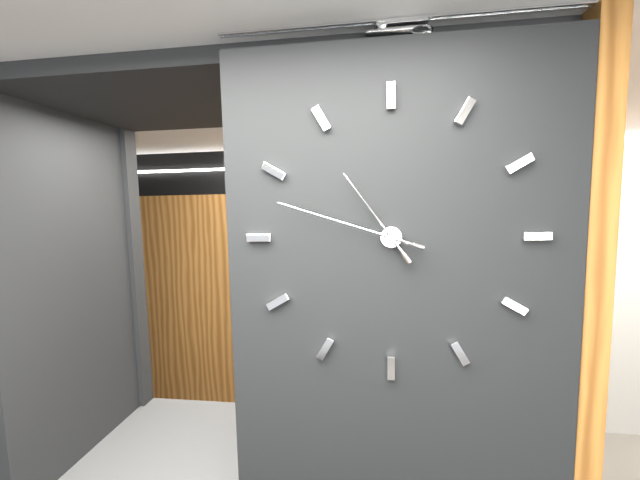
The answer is h=10 m=48
